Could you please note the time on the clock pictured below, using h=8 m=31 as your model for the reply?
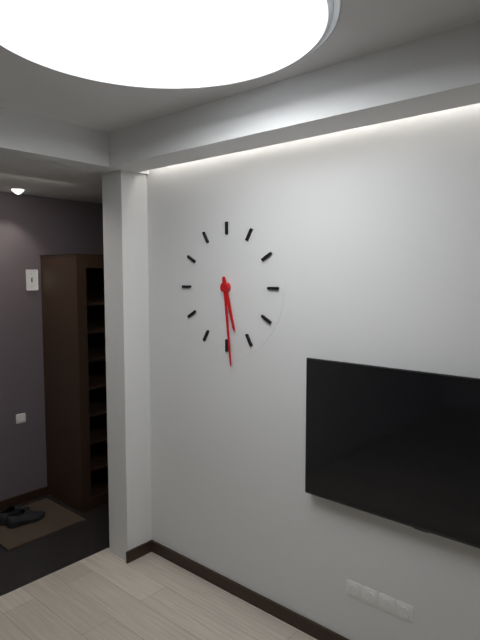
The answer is h=5 m=29
